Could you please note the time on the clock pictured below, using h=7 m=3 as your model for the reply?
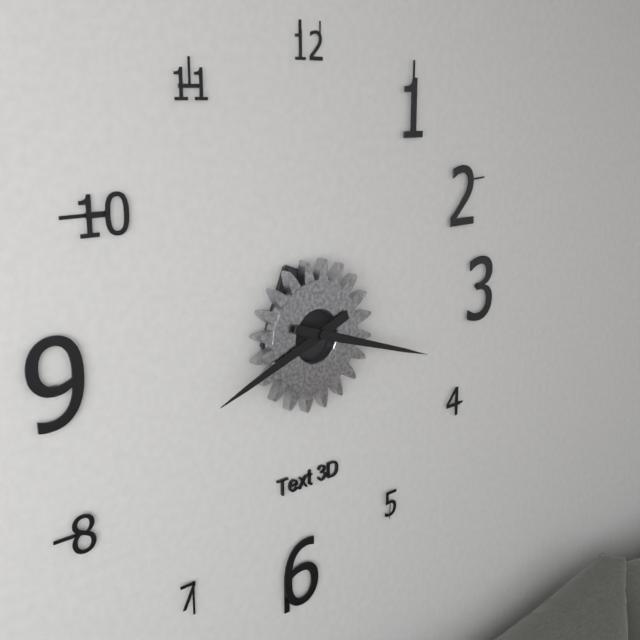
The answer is h=8 m=18
